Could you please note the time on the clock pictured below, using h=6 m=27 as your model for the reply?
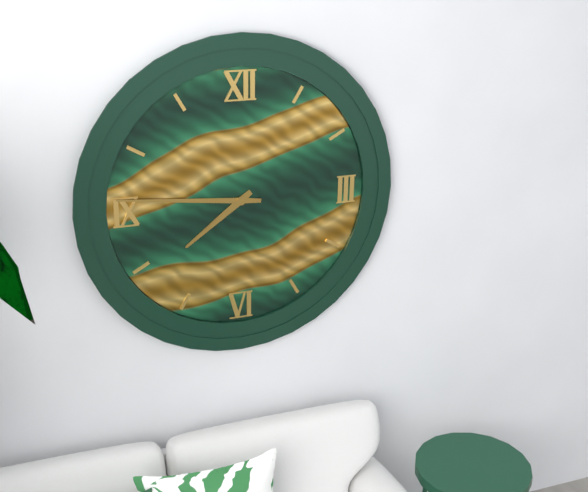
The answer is h=7 m=46
